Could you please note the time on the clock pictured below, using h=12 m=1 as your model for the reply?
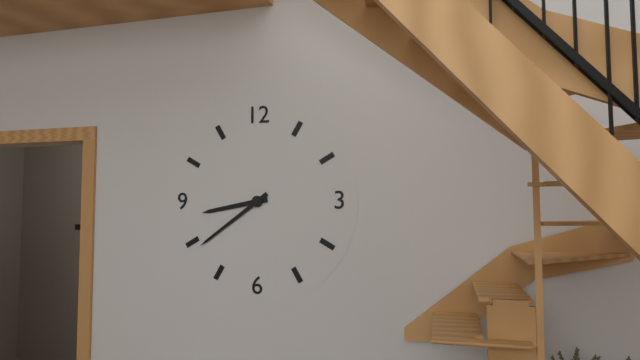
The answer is h=8 m=39
